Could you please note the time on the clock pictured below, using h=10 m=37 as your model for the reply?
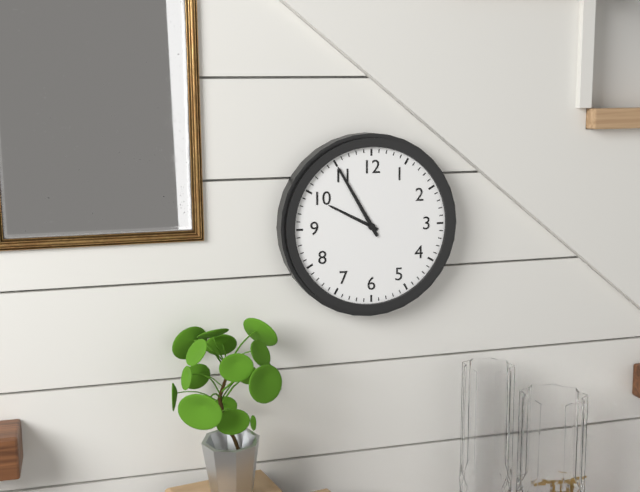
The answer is h=9 m=55
